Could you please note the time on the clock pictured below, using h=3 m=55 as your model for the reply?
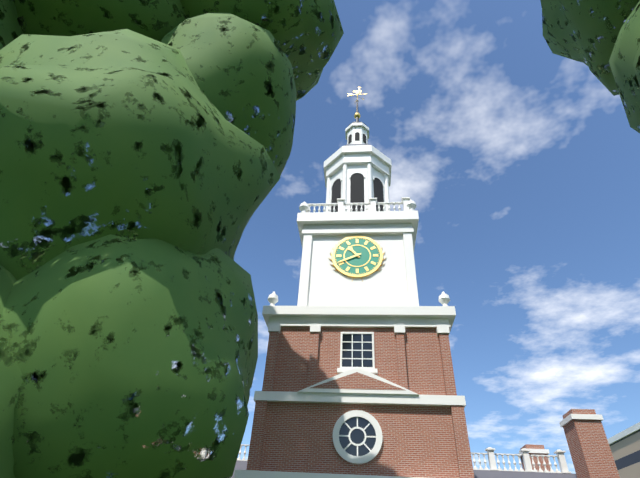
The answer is h=10 m=41
